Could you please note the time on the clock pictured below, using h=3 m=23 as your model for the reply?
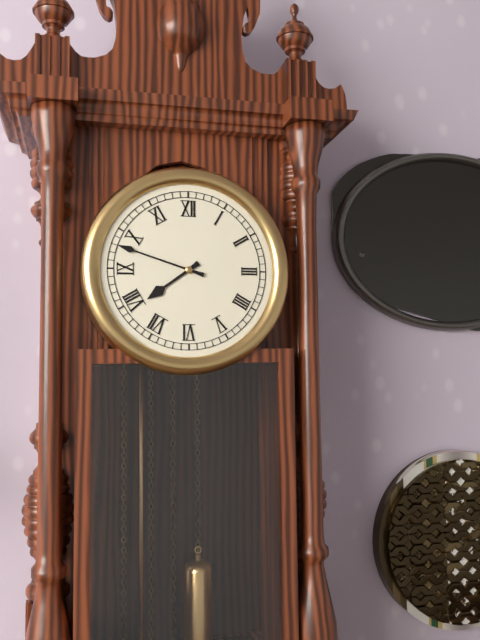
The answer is h=7 m=48
